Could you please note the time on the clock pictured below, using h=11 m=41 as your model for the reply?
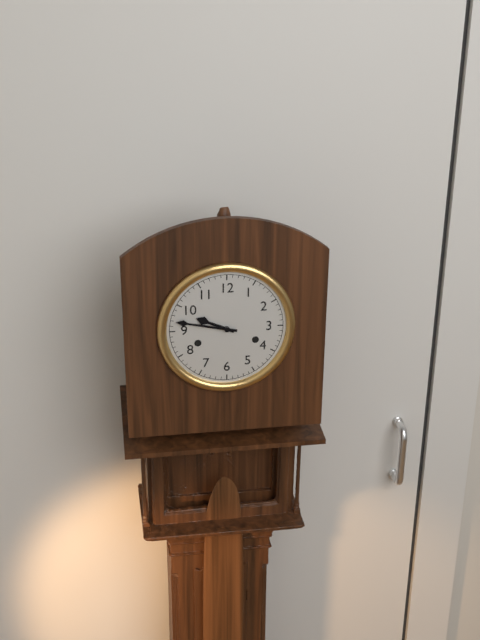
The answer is h=9 m=47
